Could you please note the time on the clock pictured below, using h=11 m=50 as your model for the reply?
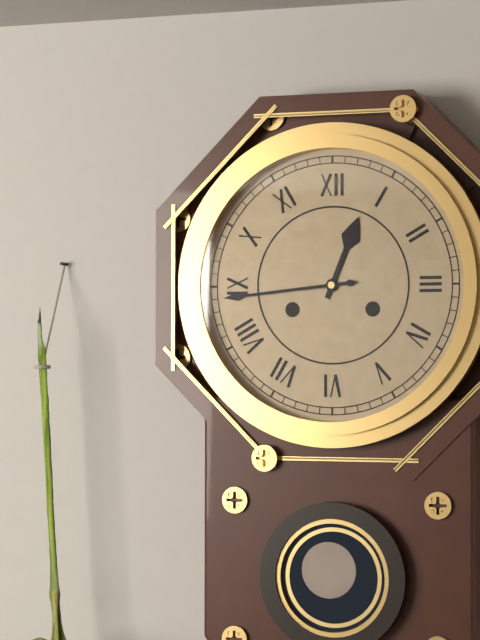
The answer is h=12 m=44
